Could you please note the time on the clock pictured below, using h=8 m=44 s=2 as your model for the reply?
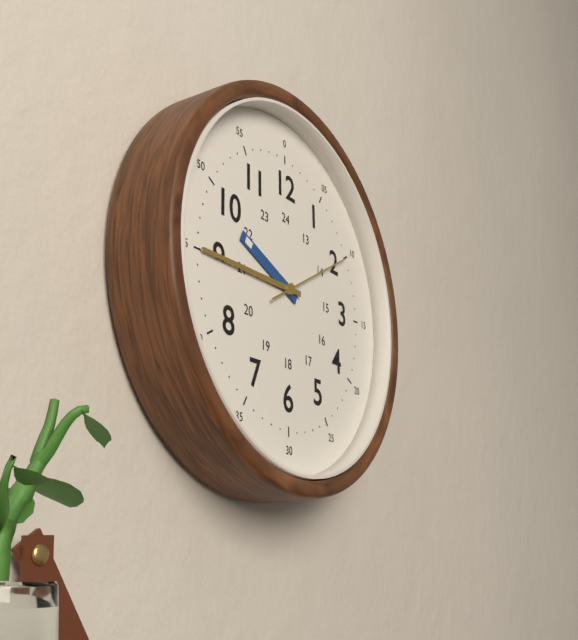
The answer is h=9 m=45 s=10
